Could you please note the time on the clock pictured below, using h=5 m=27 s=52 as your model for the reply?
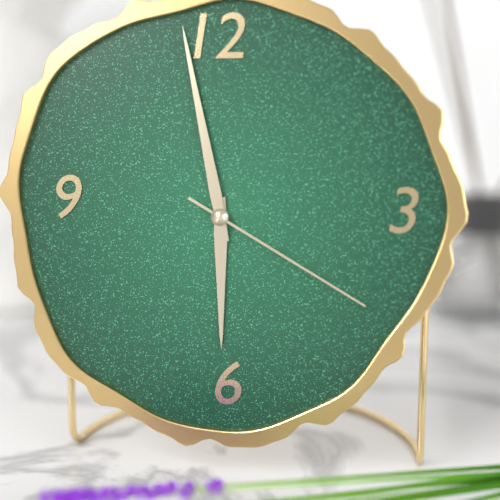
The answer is h=5 m=58 s=20
